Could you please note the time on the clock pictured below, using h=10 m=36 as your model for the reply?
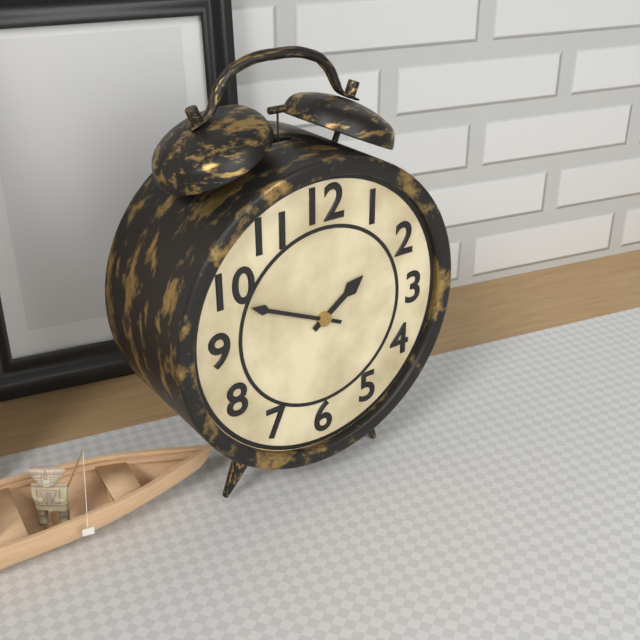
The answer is h=1 m=49
